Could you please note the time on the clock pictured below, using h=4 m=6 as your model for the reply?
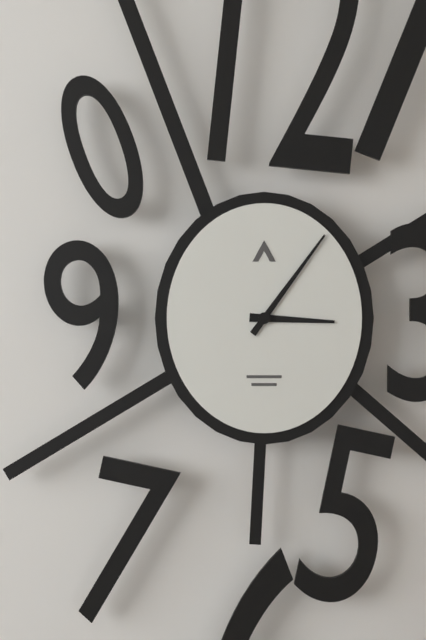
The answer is h=3 m=6
